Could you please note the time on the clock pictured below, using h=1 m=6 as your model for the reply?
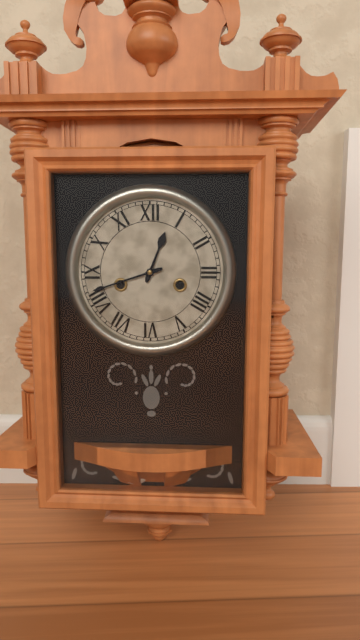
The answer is h=12 m=42
